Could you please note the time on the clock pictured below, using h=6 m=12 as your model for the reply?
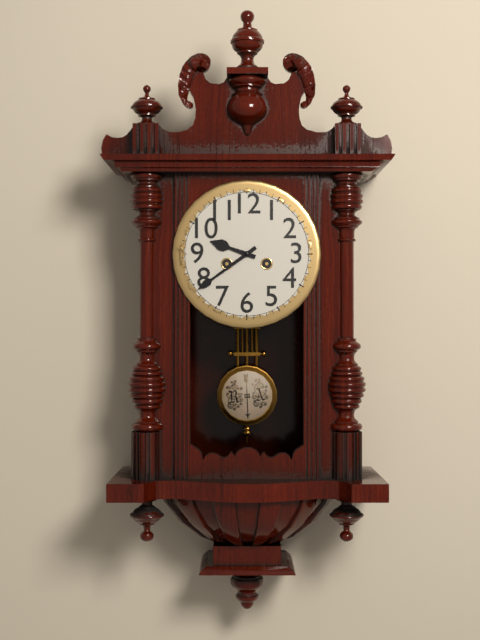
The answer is h=9 m=39
